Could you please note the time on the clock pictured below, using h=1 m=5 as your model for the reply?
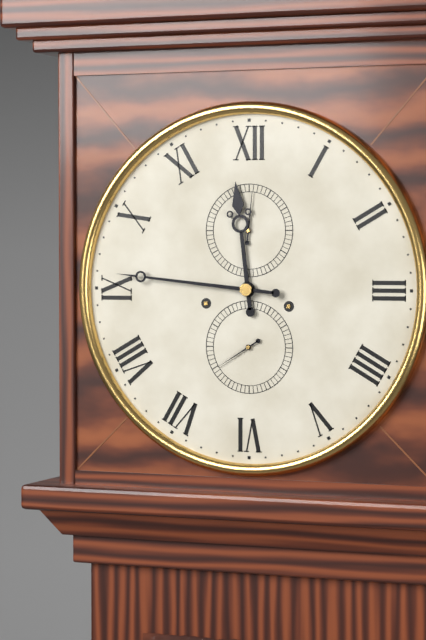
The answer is h=11 m=46
